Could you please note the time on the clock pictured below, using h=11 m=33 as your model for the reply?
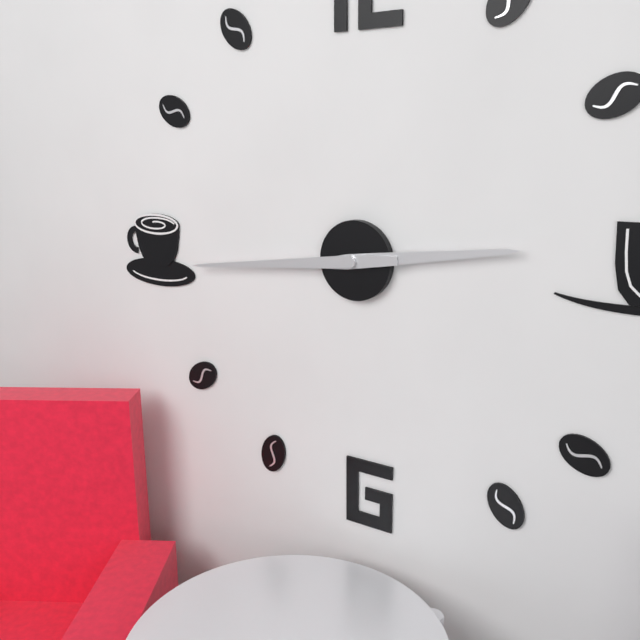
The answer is h=2 m=44
